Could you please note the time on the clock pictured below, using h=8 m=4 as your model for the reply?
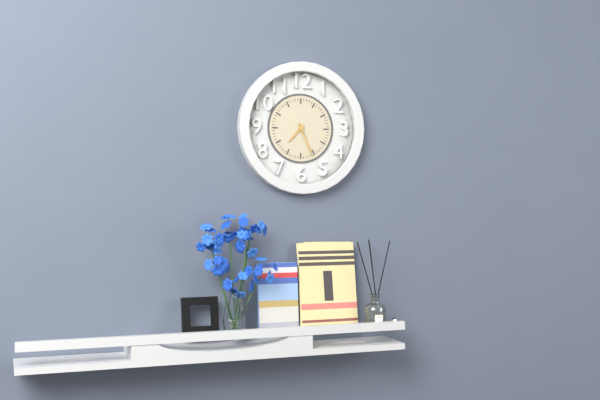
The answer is h=7 m=26
